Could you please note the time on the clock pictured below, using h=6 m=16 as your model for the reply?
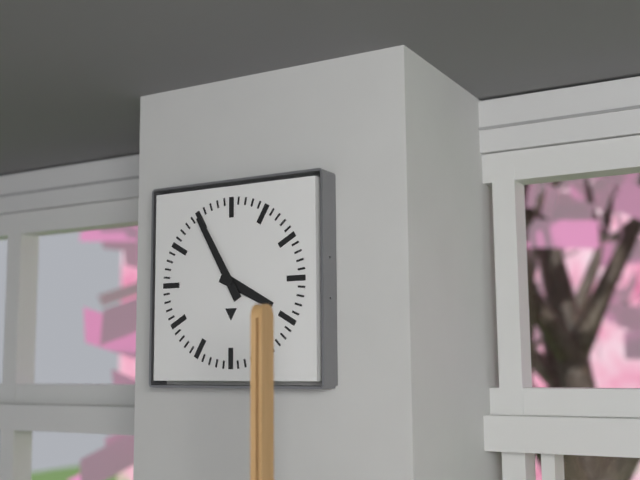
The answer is h=3 m=55
